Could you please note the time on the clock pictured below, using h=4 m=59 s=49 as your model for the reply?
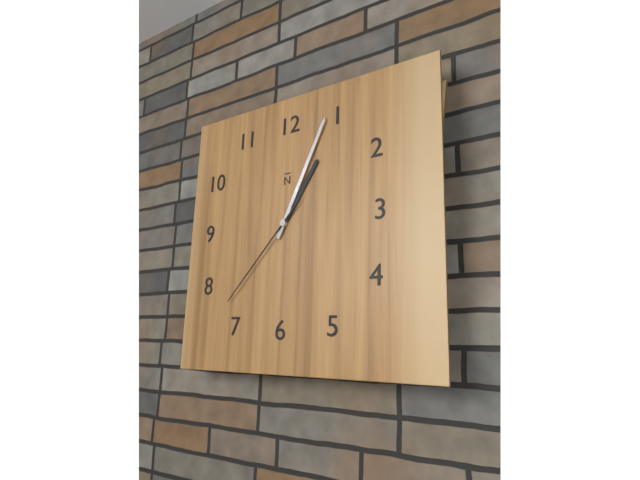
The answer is h=1 m=4 s=37
